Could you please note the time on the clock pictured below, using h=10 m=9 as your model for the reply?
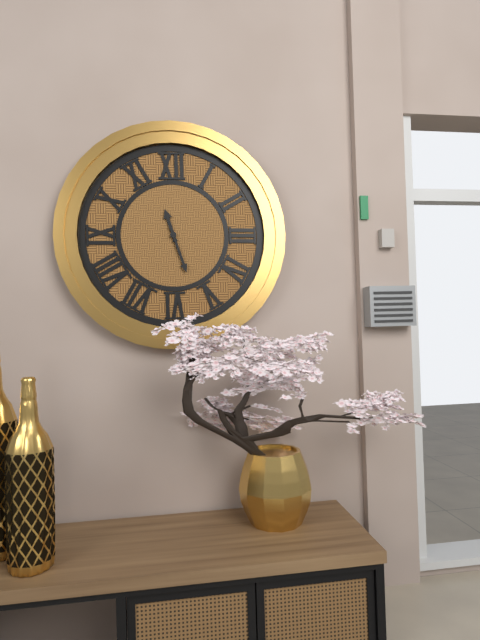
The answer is h=11 m=27
